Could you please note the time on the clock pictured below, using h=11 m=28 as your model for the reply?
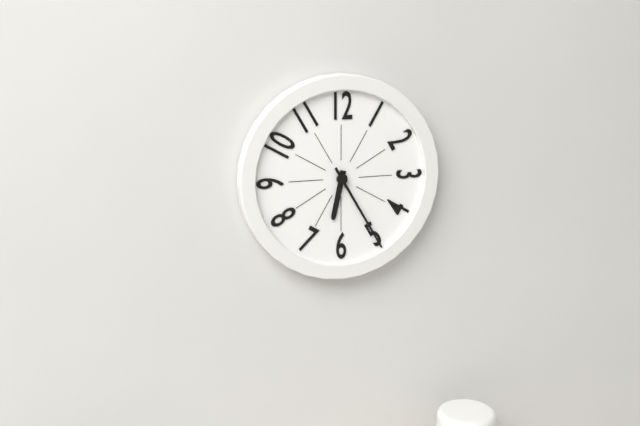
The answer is h=6 m=25
